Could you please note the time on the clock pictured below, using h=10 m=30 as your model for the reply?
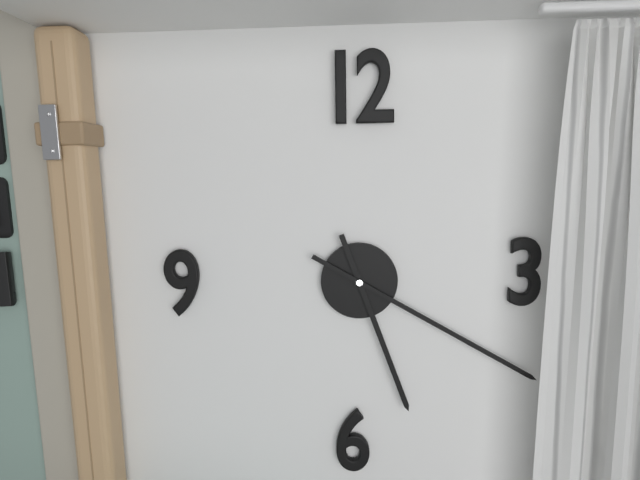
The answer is h=5 m=20
